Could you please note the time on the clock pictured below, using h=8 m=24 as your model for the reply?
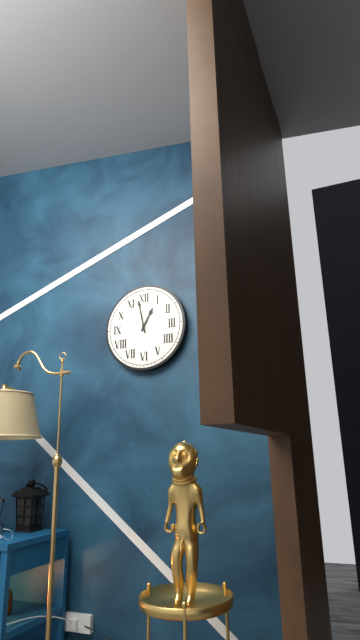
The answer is h=12 m=58
